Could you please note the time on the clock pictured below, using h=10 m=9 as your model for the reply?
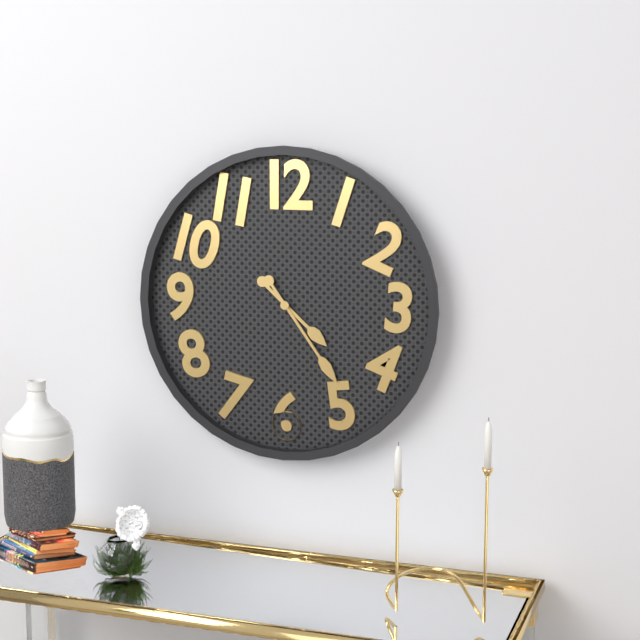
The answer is h=4 m=24
